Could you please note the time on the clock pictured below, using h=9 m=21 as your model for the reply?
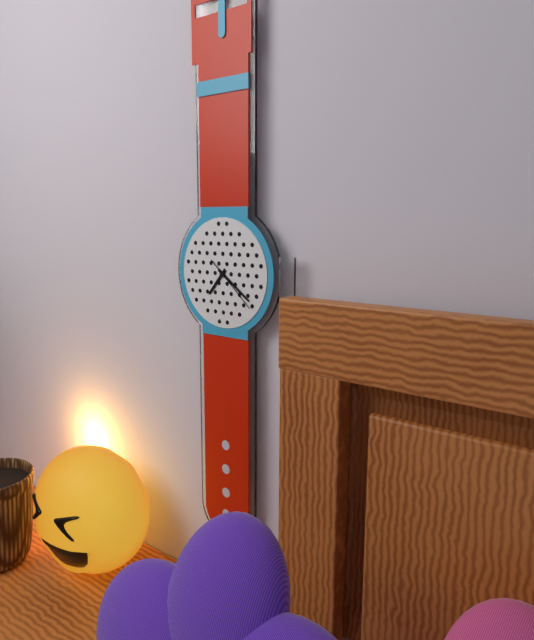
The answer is h=7 m=21
